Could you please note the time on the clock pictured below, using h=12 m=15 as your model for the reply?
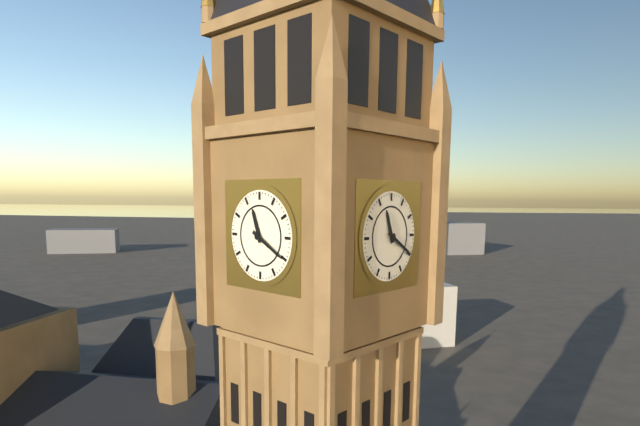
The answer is h=11 m=20
